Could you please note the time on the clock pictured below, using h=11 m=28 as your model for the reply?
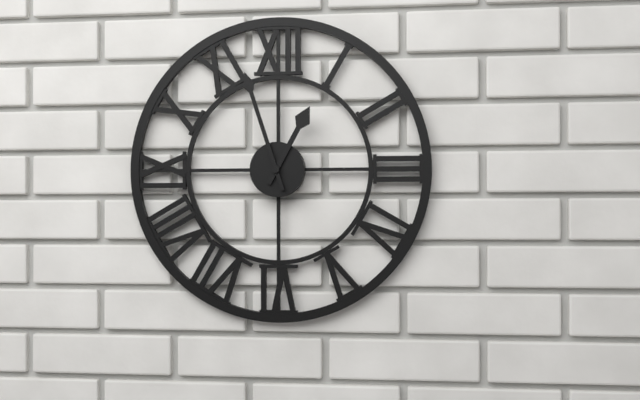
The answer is h=12 m=57
